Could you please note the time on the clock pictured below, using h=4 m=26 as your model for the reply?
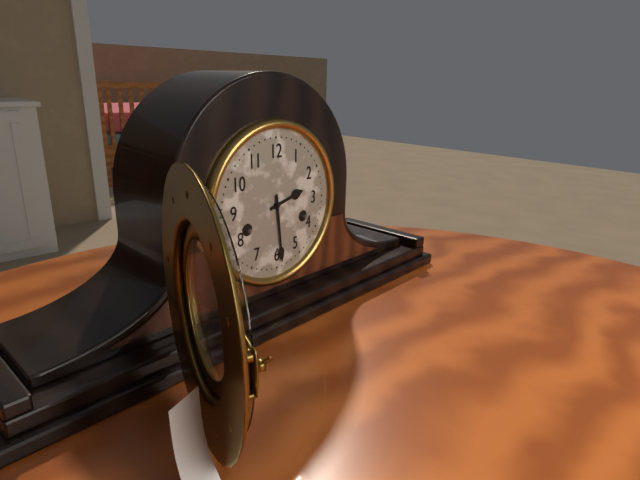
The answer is h=2 m=29
